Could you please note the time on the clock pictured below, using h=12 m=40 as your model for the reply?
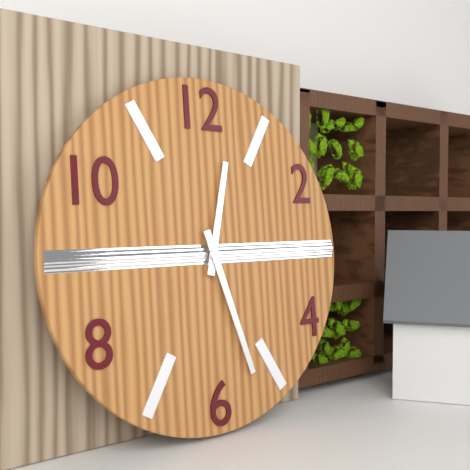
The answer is h=12 m=27
